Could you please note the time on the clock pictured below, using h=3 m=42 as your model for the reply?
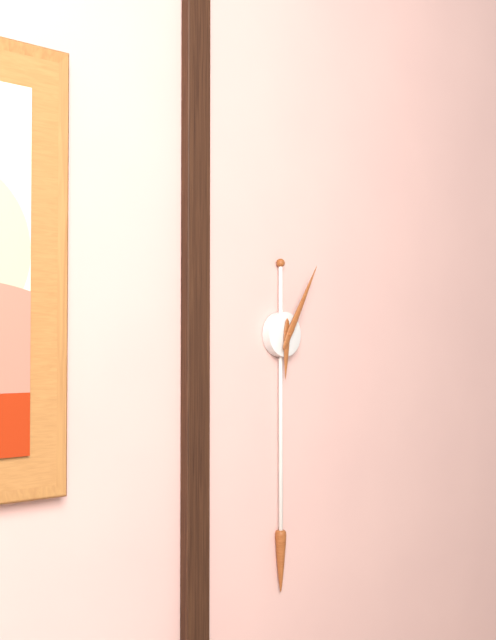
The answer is h=6 m=5
